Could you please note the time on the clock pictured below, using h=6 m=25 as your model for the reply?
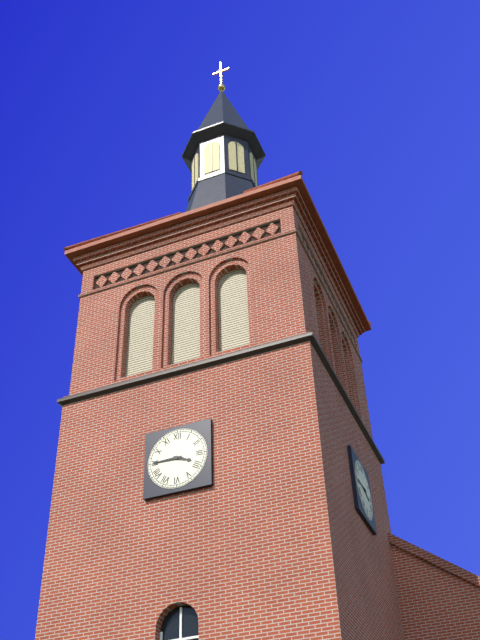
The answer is h=3 m=45
